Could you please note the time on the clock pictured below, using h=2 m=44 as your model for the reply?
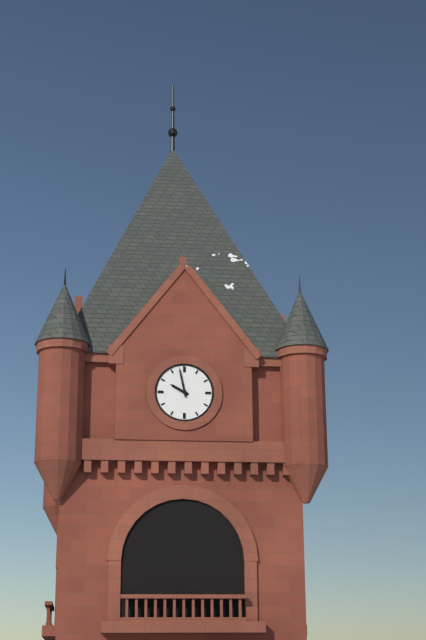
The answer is h=9 m=58
